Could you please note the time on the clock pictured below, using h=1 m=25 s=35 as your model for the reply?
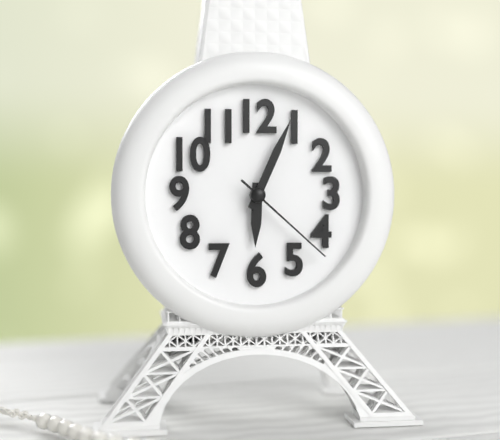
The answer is h=6 m=4 s=22
